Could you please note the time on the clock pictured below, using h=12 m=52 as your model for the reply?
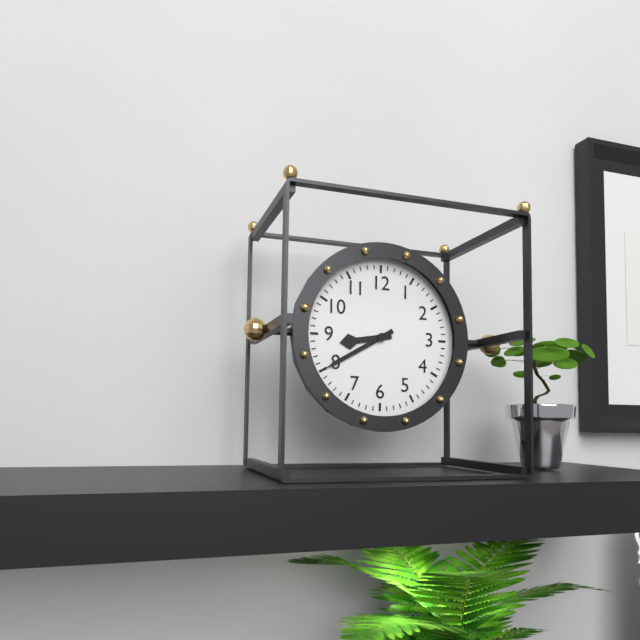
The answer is h=8 m=40
